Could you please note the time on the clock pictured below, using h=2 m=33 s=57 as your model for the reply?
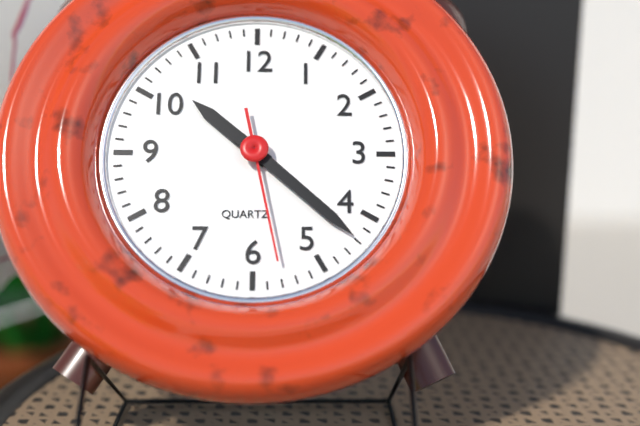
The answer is h=10 m=22 s=28
